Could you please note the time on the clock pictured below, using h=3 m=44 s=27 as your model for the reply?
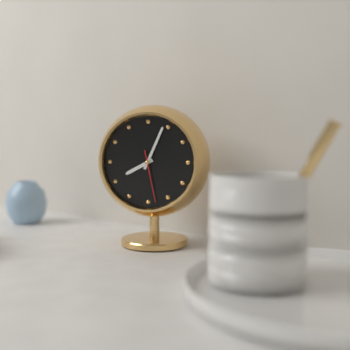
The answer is h=8 m=4 s=28
